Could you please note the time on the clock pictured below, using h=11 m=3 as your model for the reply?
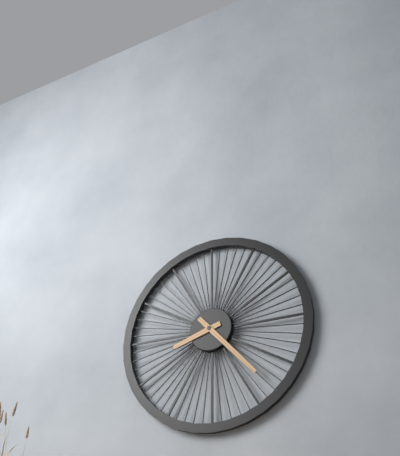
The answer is h=8 m=23
